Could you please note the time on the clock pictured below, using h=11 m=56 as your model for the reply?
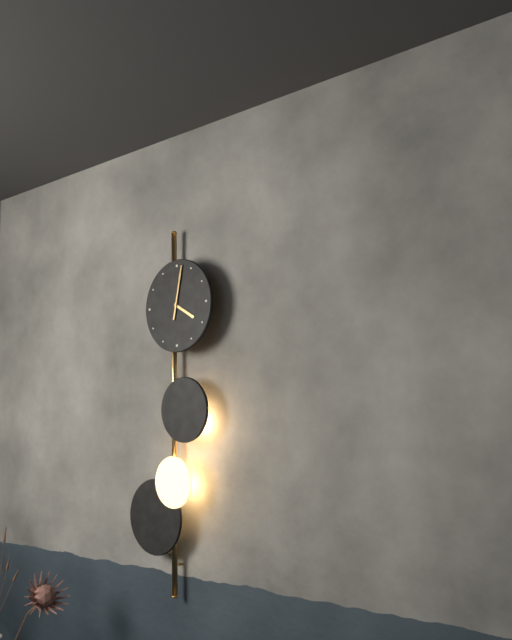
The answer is h=4 m=2
